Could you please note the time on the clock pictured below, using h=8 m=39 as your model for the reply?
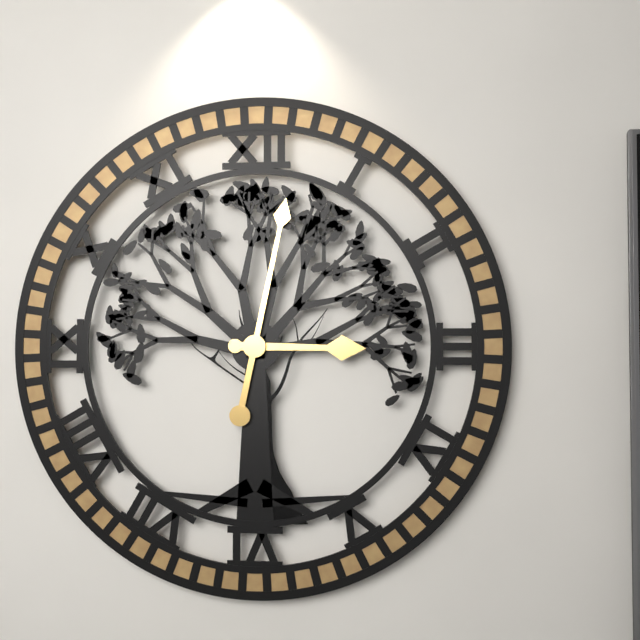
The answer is h=3 m=2
